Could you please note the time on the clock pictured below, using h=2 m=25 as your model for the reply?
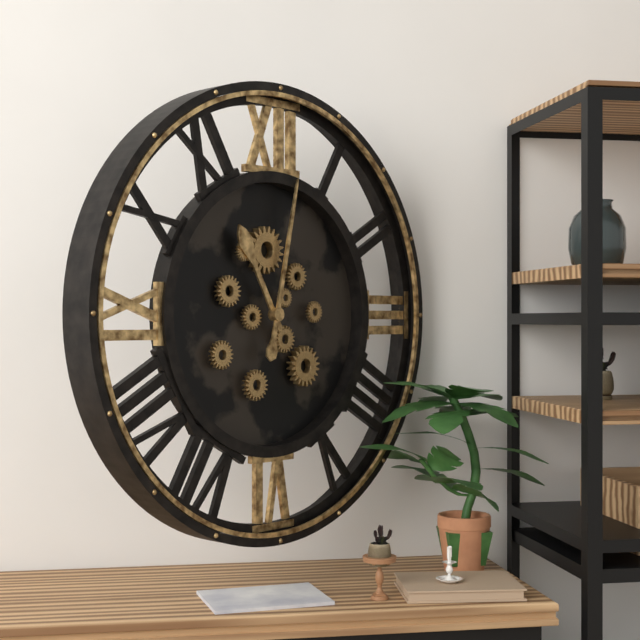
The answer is h=11 m=2
